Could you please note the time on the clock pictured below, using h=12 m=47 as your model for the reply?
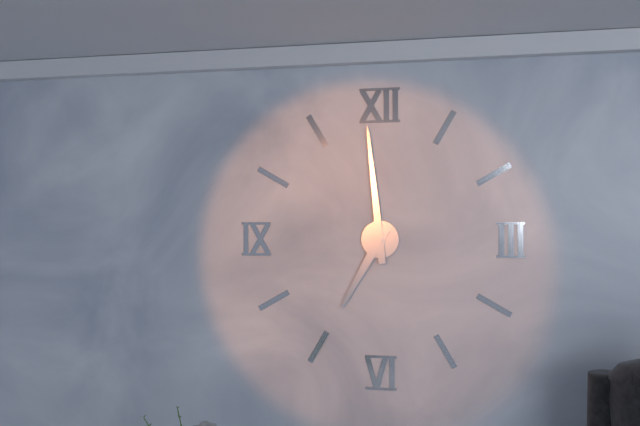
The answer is h=6 m=59
